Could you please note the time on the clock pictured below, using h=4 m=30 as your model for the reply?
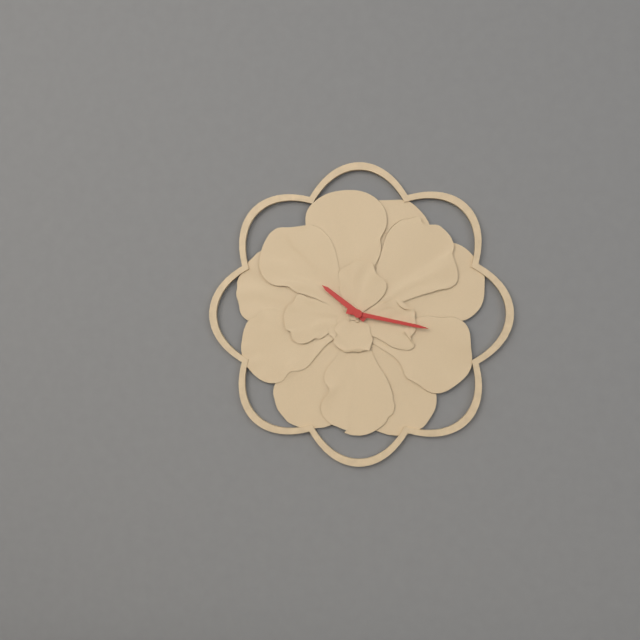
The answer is h=10 m=17
